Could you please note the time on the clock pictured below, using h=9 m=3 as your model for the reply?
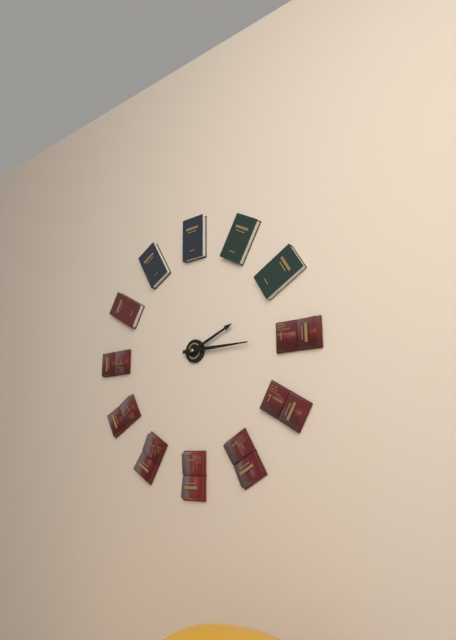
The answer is h=2 m=15
